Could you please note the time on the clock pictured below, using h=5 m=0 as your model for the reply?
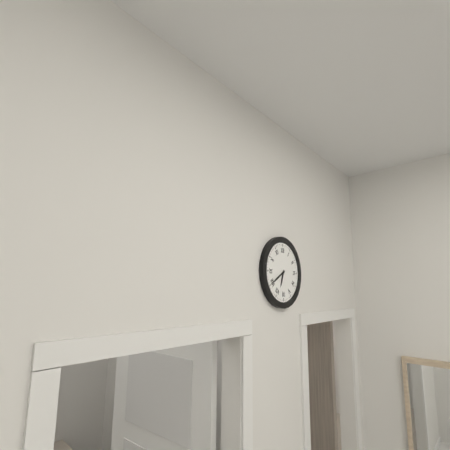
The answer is h=6 m=40
